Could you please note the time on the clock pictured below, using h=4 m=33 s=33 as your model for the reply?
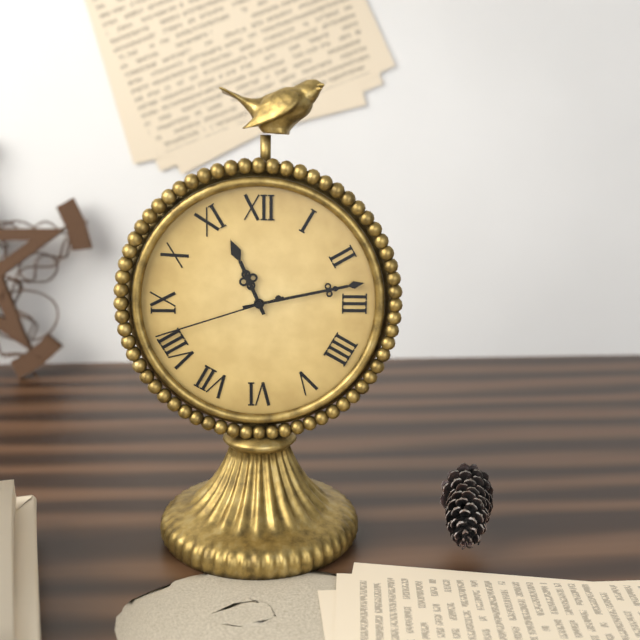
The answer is h=11 m=13 s=42
